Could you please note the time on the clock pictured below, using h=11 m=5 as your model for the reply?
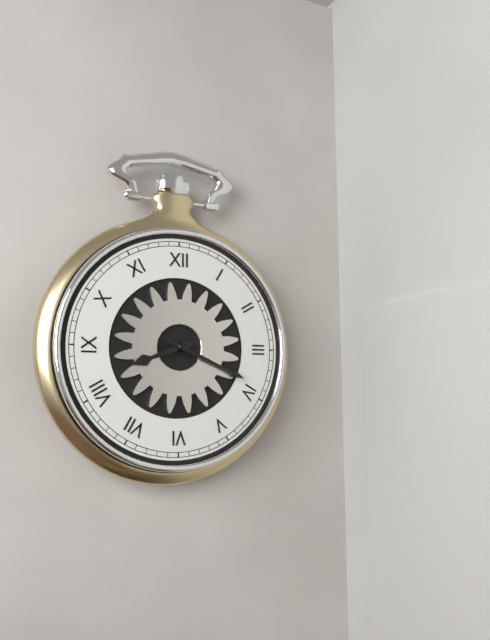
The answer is h=8 m=19
